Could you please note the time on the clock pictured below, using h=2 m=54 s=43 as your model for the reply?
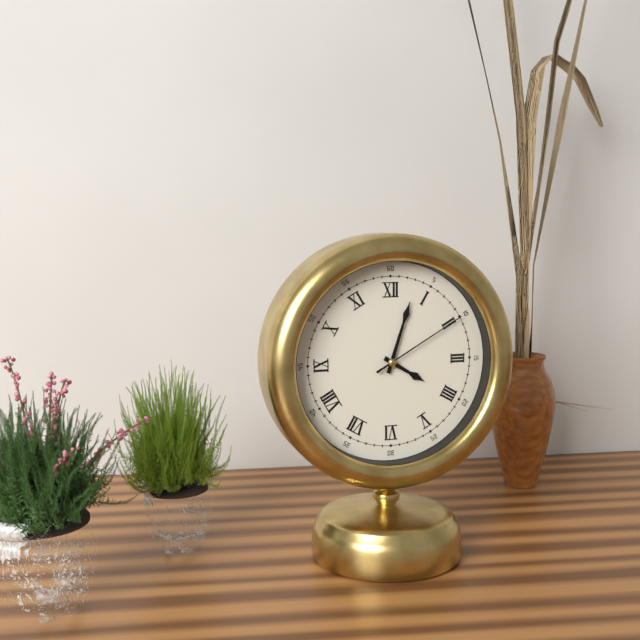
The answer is h=4 m=3 s=10
